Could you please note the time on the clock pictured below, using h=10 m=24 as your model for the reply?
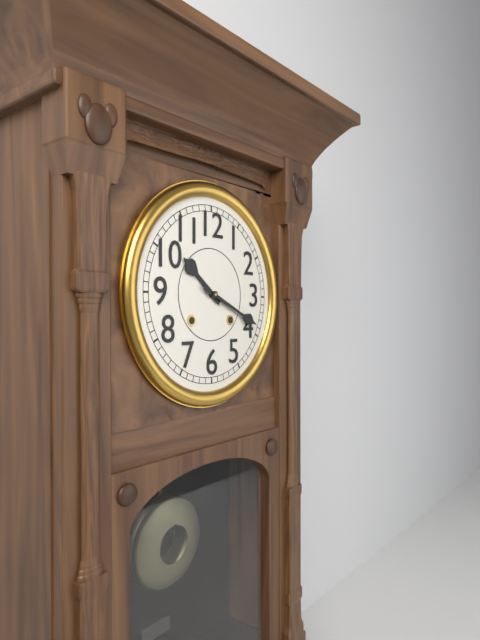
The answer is h=10 m=19
